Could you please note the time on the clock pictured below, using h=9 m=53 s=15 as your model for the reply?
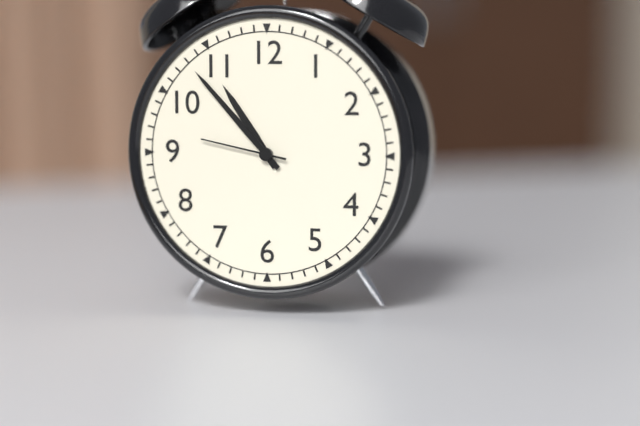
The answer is h=10 m=53 s=47
